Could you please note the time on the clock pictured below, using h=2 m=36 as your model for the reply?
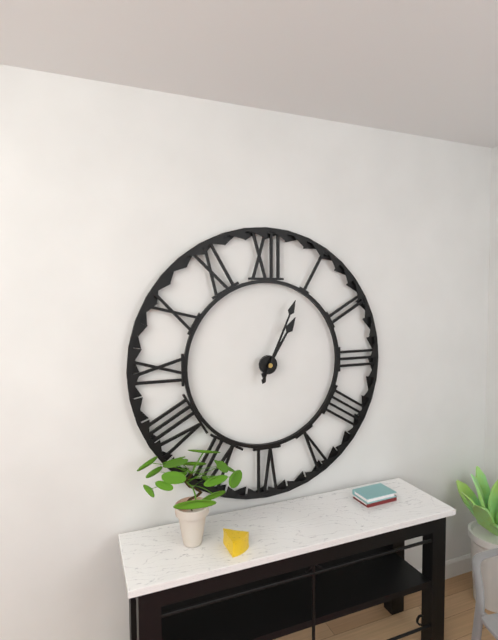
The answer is h=1 m=4
